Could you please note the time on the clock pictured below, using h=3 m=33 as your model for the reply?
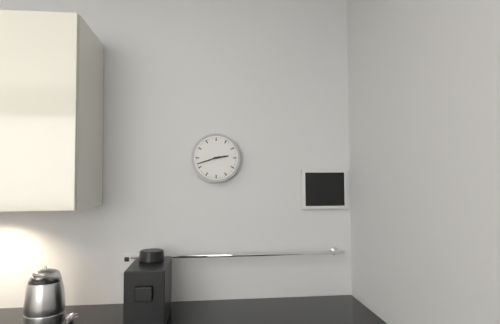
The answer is h=2 m=42
